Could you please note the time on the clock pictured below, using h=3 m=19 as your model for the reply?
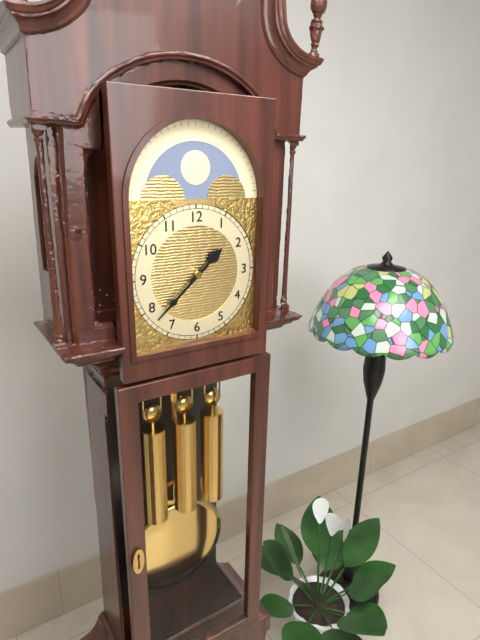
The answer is h=1 m=38
